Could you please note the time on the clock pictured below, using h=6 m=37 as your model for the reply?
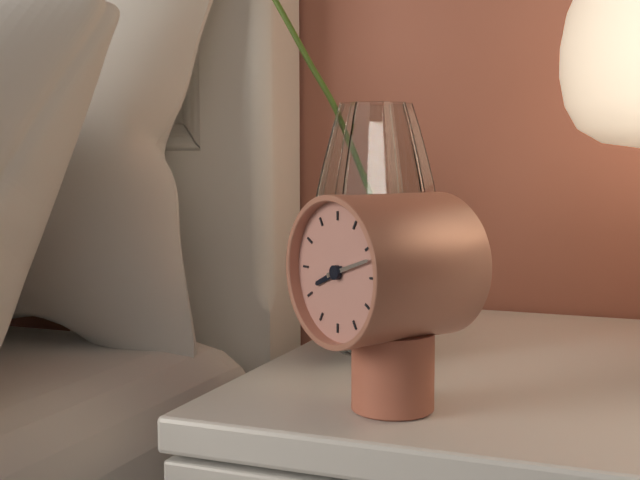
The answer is h=8 m=12
